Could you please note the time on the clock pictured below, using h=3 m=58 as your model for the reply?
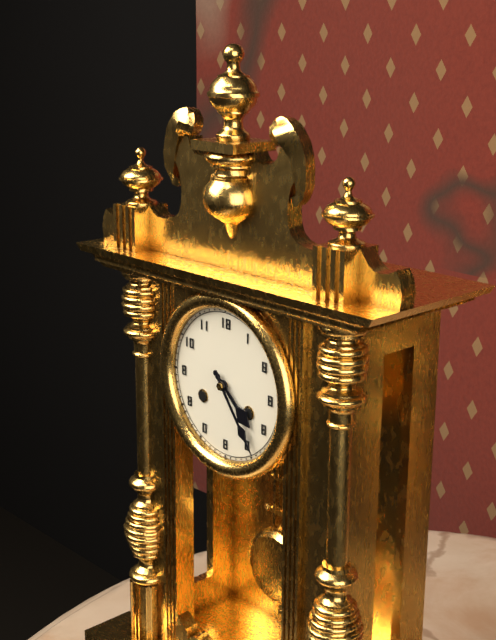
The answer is h=4 m=24
